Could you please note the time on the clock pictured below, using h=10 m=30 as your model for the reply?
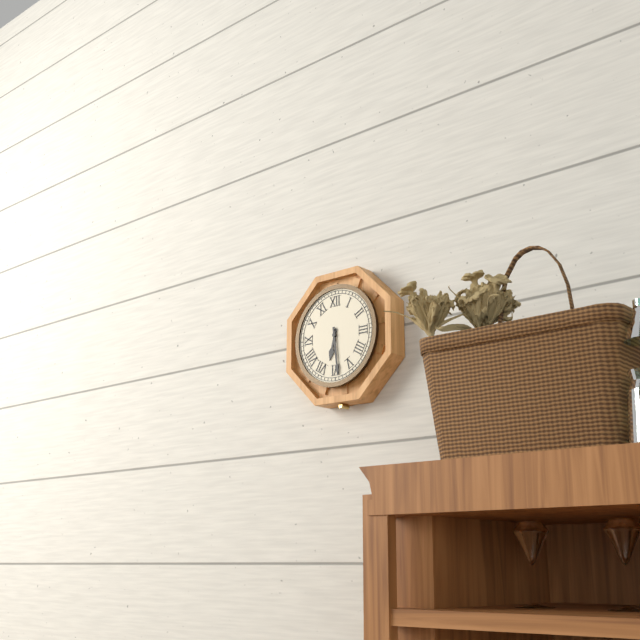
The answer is h=6 m=29
